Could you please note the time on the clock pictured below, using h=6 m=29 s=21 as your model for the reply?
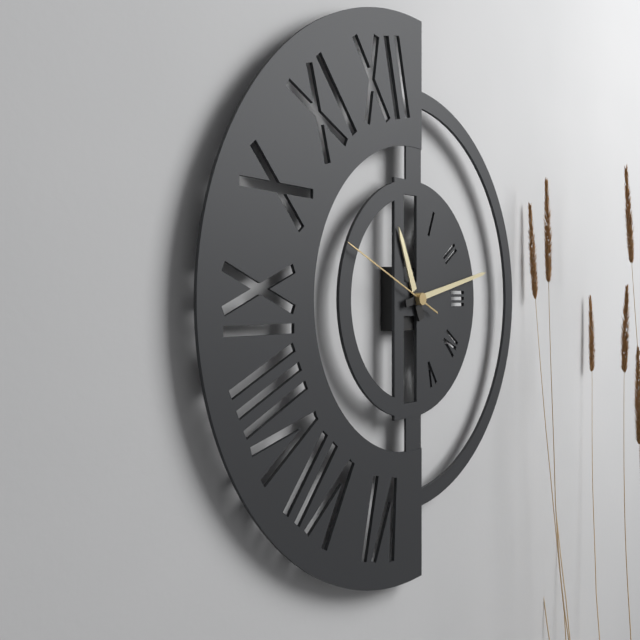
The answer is h=11 m=13 s=49
